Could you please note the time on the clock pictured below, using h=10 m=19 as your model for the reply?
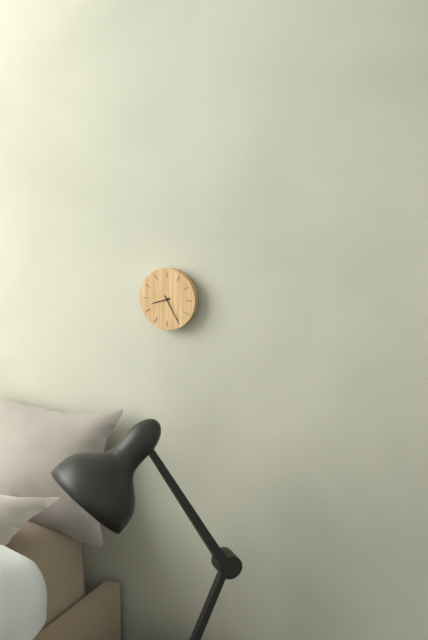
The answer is h=8 m=25
